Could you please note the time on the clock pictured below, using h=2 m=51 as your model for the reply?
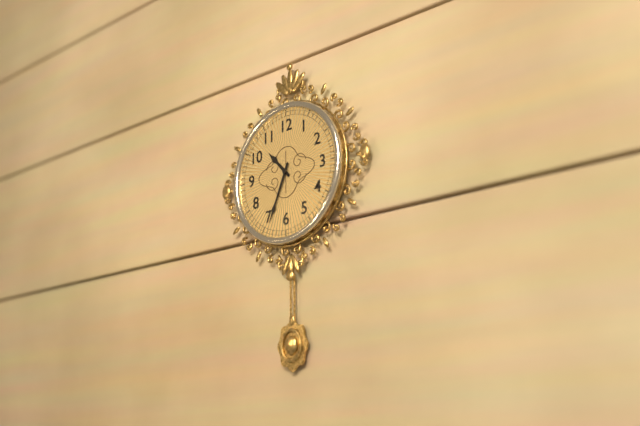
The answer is h=10 m=34
